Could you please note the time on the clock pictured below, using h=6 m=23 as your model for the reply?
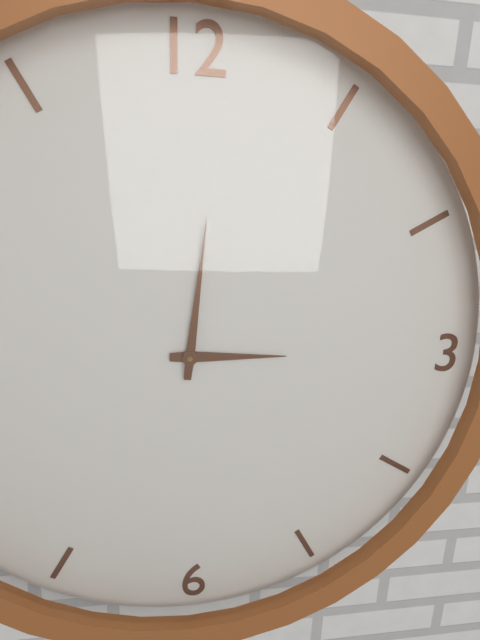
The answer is h=3 m=1
